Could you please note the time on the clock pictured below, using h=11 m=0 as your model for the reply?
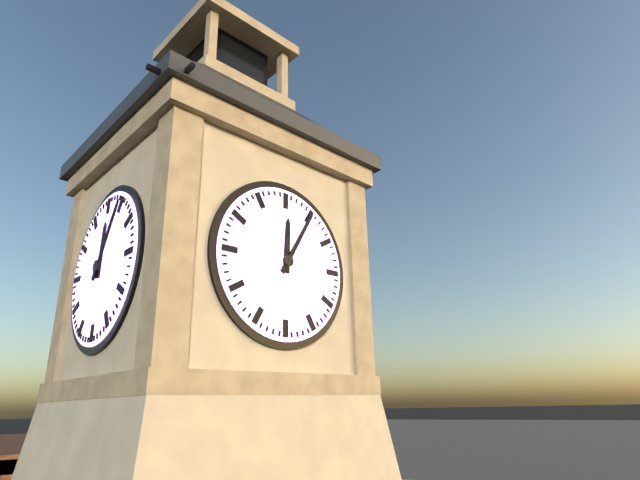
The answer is h=12 m=5
